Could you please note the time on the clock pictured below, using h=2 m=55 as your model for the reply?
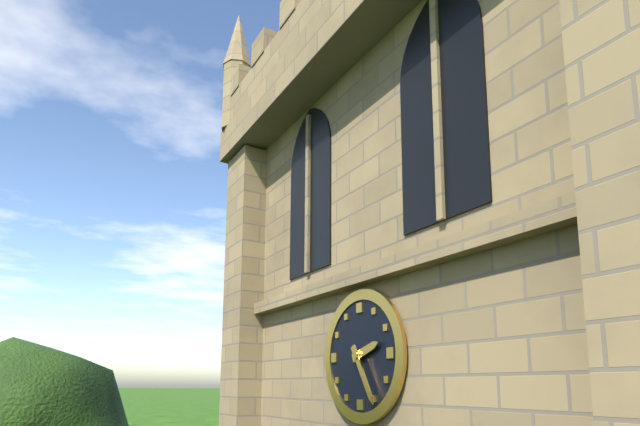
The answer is h=2 m=25
